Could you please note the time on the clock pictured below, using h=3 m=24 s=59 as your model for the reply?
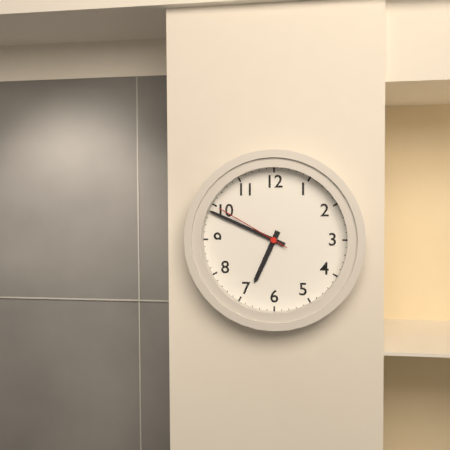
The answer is h=6 m=49 s=50
